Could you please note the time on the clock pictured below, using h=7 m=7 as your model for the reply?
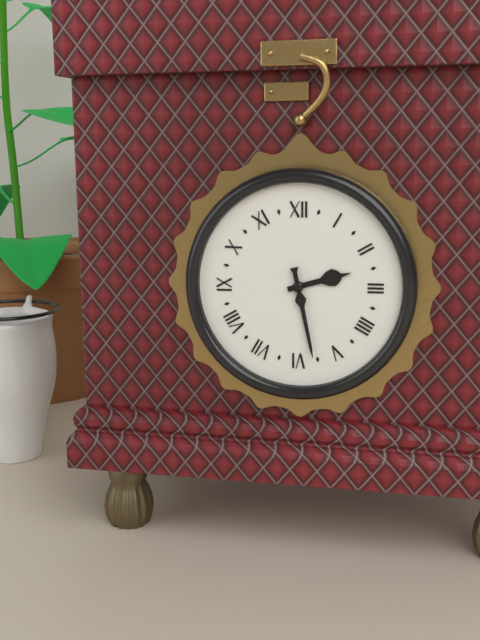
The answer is h=2 m=28
